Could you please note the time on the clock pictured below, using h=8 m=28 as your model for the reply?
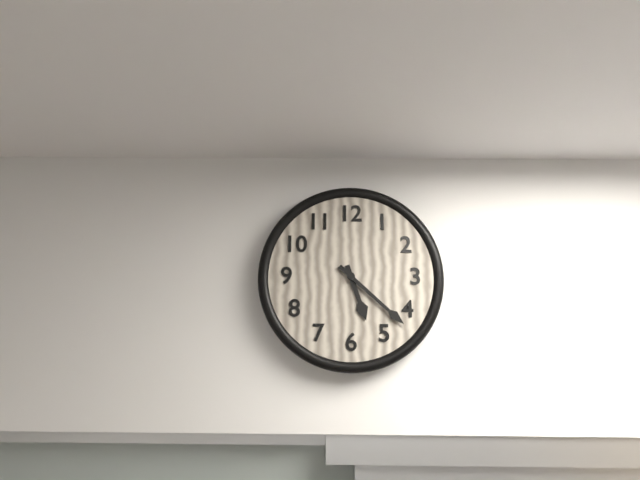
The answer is h=5 m=22
